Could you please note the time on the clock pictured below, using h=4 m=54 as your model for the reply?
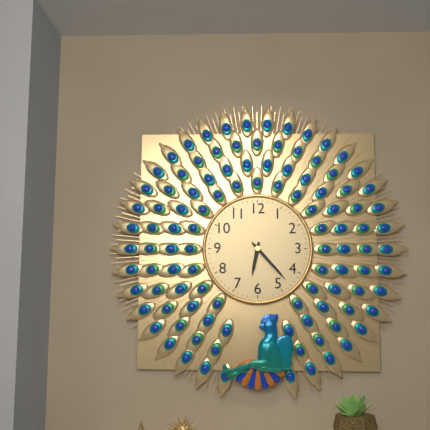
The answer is h=6 m=23
